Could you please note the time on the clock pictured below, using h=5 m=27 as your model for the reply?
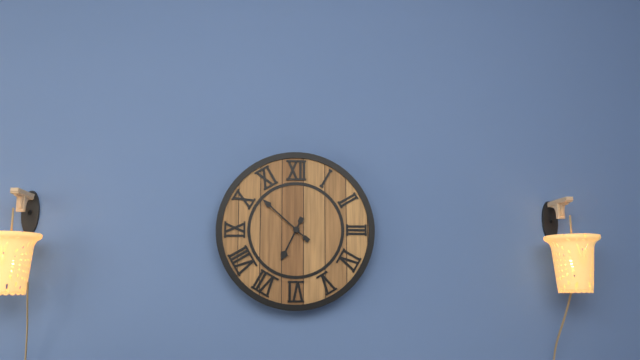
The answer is h=6 m=52
